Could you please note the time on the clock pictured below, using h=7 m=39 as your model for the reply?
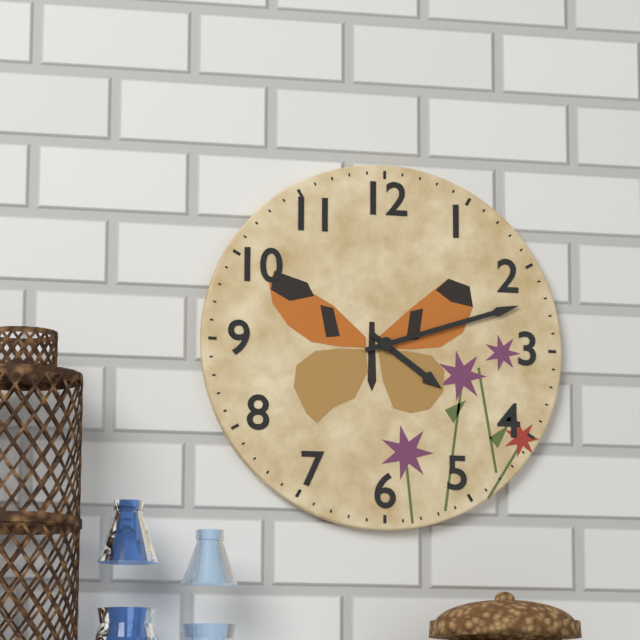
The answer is h=4 m=12
